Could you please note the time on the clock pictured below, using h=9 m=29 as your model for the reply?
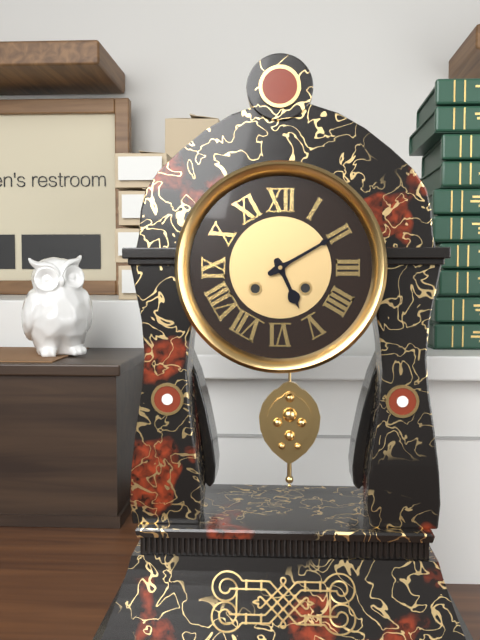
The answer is h=5 m=10
